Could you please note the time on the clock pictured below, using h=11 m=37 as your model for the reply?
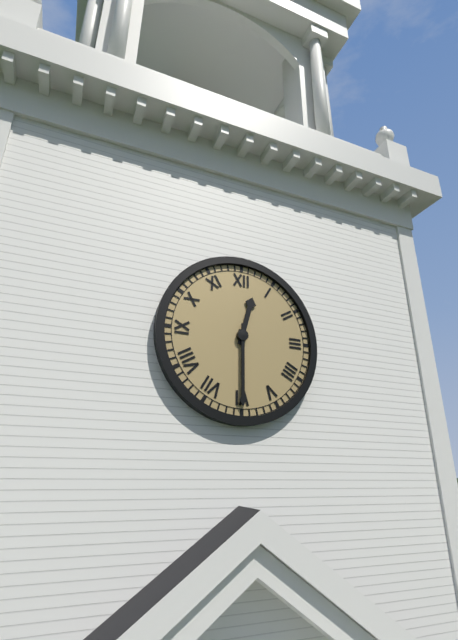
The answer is h=12 m=30
